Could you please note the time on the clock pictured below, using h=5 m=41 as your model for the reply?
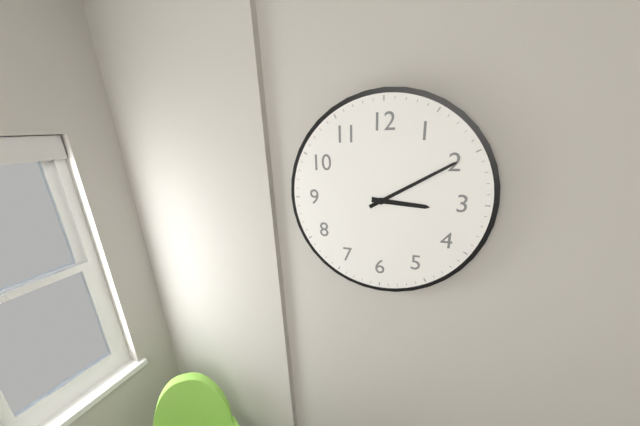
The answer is h=3 m=10
